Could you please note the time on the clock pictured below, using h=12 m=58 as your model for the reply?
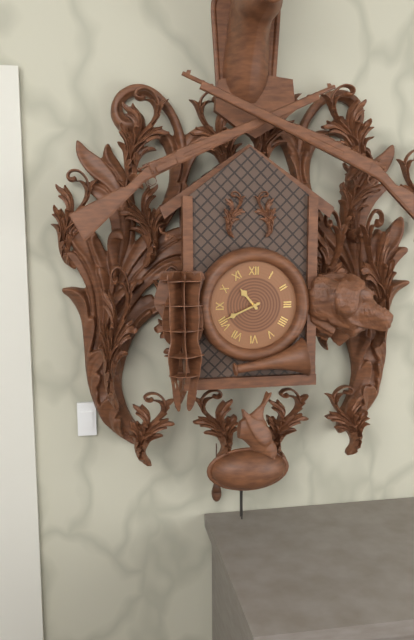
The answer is h=10 m=41
